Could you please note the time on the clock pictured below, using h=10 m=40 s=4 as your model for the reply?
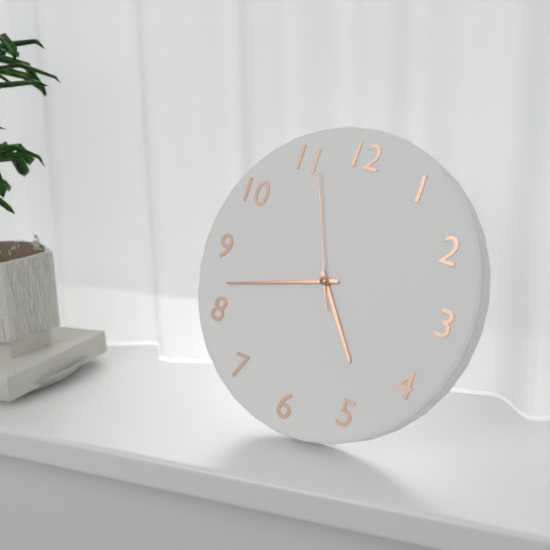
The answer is h=4 m=42 s=56
